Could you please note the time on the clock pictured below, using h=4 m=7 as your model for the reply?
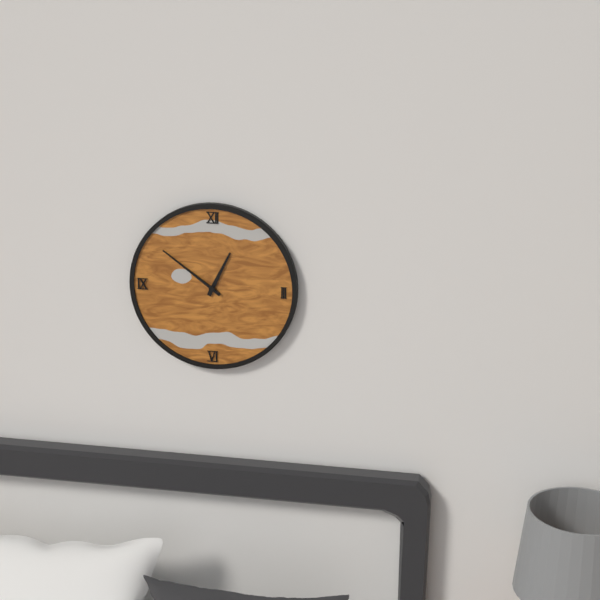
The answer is h=12 m=51
